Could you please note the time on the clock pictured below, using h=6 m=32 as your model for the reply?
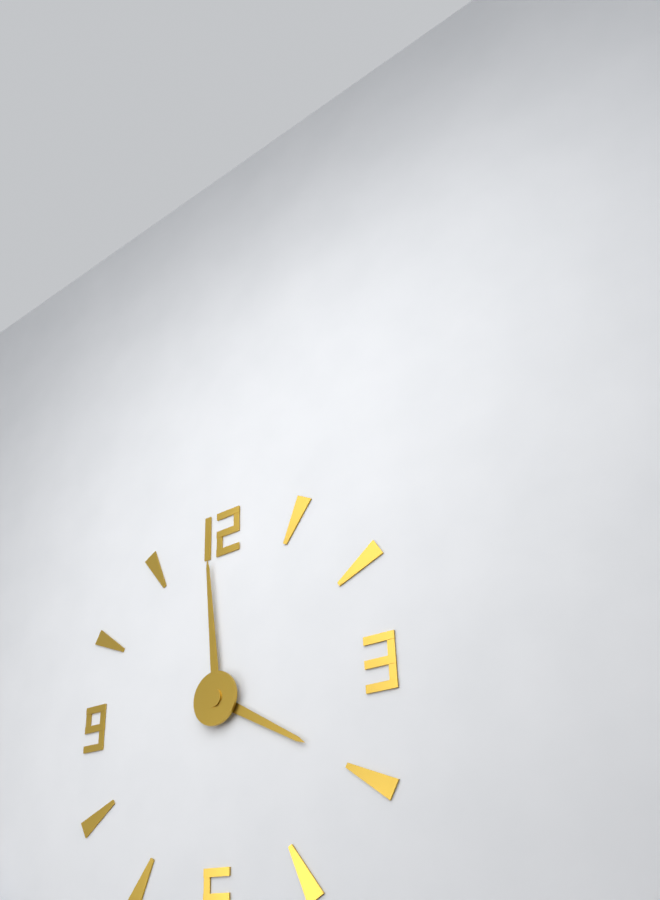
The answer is h=3 m=59
